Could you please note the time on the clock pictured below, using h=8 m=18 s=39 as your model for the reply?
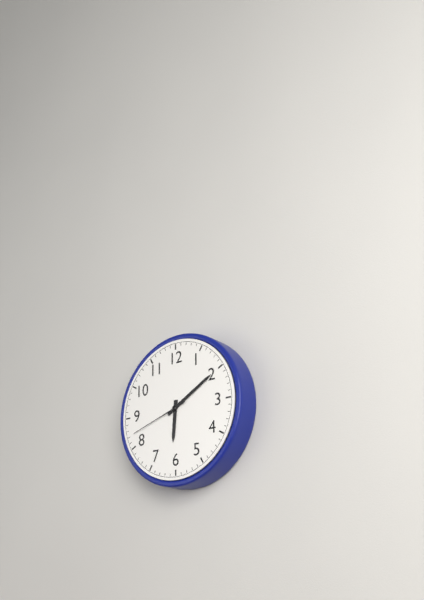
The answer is h=6 m=10 s=42
